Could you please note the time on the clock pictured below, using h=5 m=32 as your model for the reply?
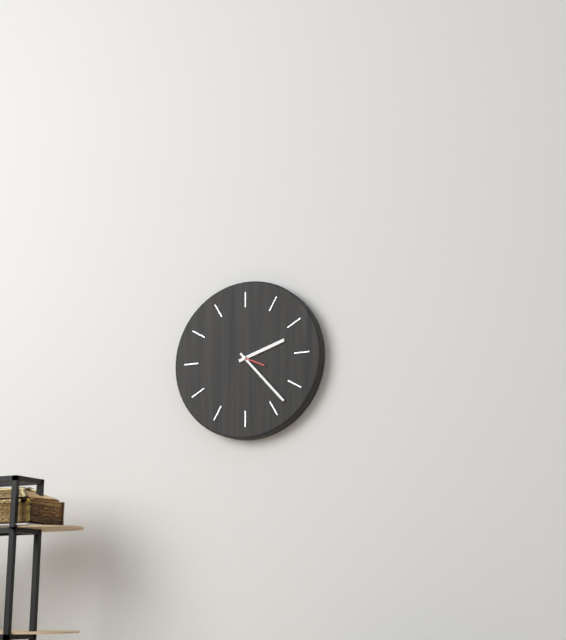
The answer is h=2 m=23
